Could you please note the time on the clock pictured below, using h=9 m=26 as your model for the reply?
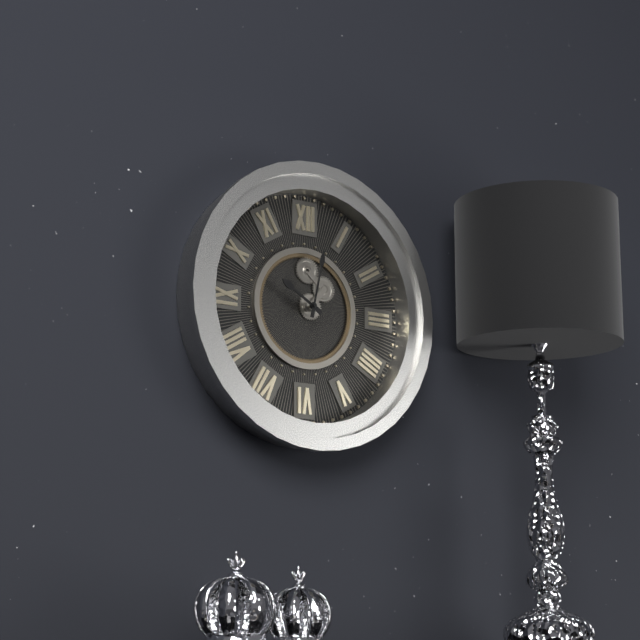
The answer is h=10 m=2
